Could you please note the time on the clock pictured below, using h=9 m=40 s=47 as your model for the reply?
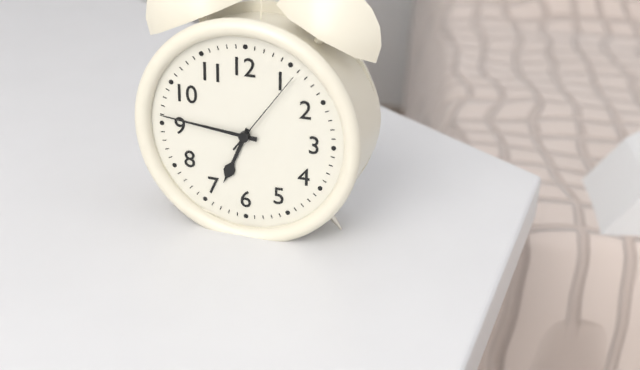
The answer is h=6 m=46 s=6
